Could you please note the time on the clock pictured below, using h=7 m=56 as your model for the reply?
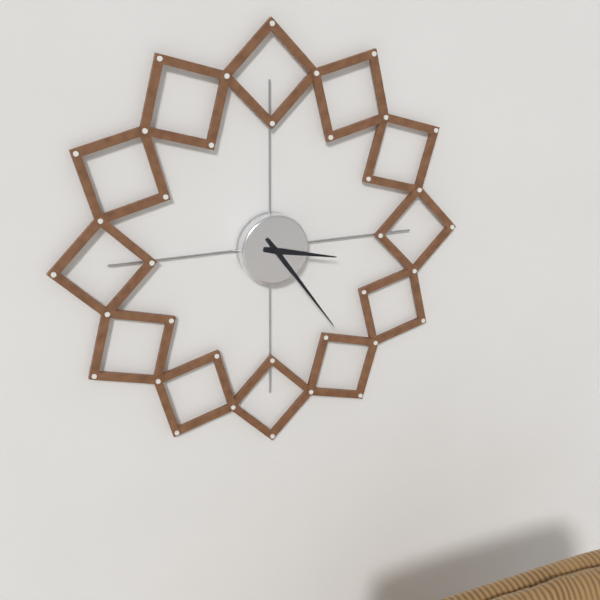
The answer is h=3 m=24
